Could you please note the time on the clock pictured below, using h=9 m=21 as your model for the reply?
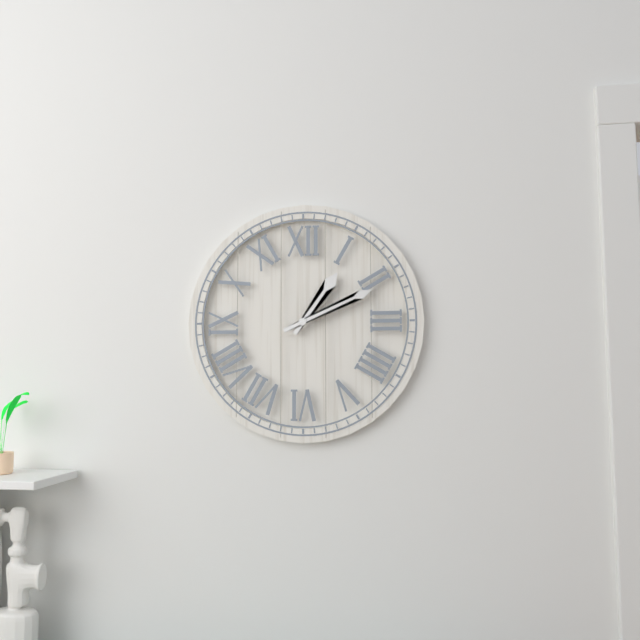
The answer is h=1 m=11
